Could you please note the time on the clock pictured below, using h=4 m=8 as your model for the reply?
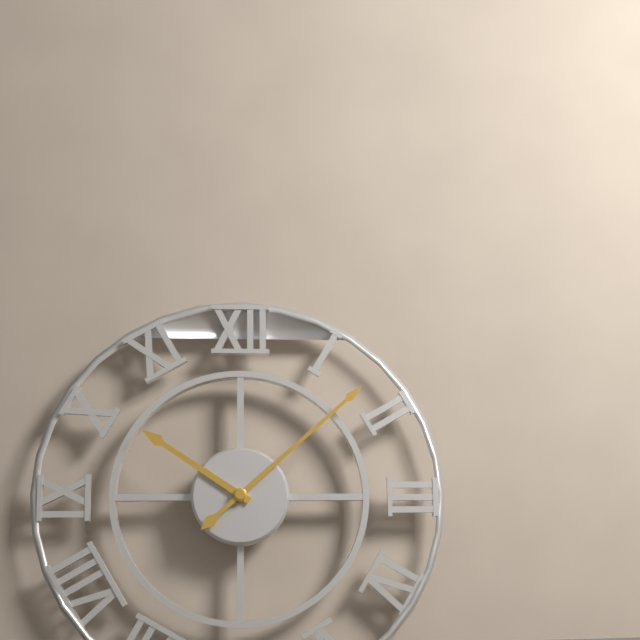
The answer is h=10 m=8
